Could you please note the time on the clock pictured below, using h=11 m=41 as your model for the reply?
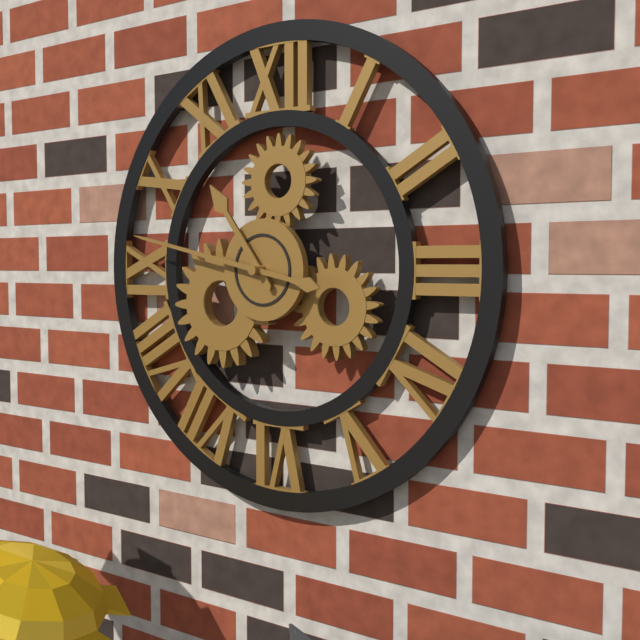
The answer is h=10 m=47
